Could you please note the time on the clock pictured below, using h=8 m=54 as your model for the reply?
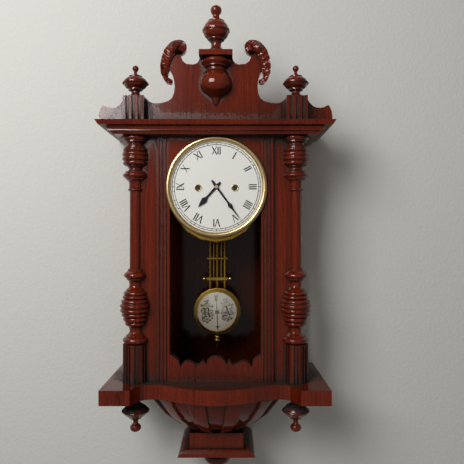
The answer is h=7 m=24
